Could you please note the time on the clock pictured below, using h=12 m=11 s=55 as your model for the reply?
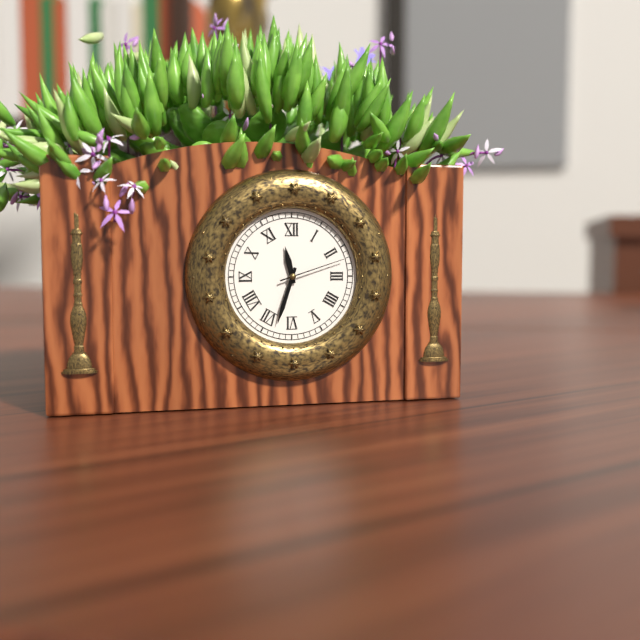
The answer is h=11 m=33 s=12
